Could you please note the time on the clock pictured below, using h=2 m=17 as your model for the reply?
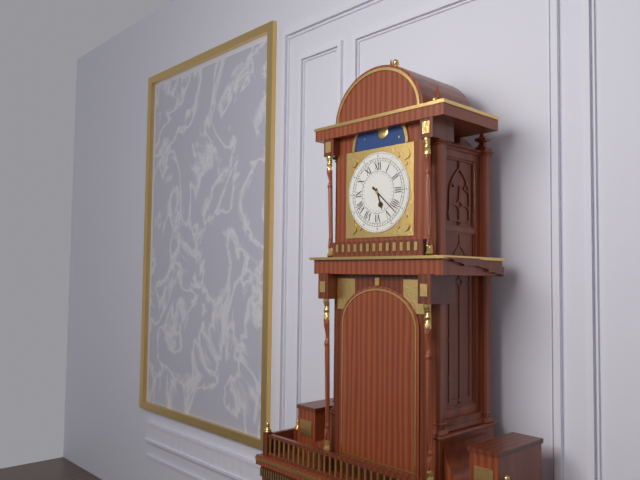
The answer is h=5 m=22
